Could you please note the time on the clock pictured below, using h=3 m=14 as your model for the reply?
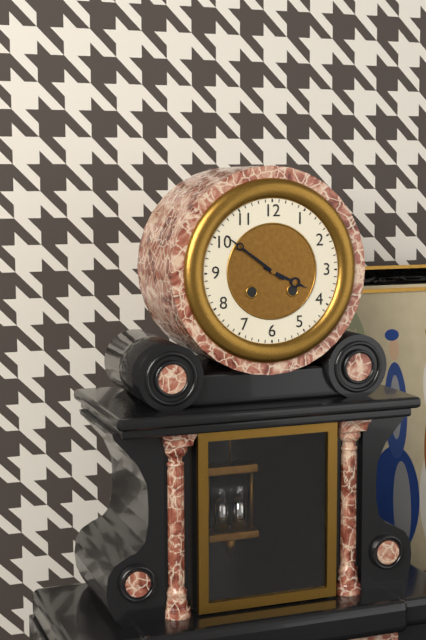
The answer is h=3 m=51
